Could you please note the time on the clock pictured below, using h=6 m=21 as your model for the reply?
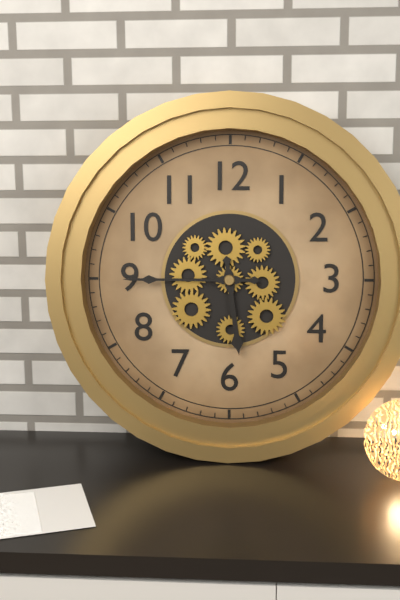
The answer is h=5 m=45
